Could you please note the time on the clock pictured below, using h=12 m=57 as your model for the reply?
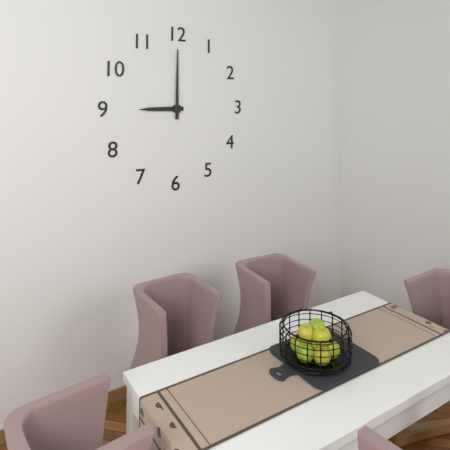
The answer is h=9 m=0
